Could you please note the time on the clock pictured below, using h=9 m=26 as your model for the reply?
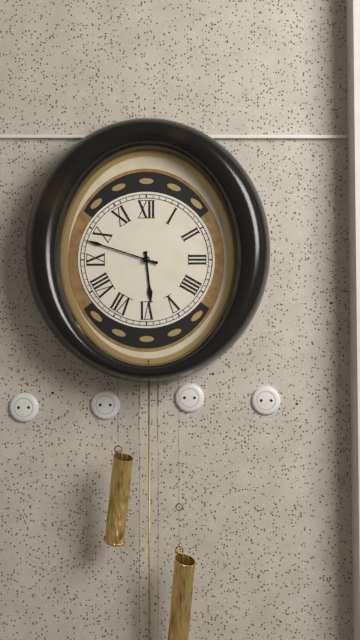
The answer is h=5 m=48
